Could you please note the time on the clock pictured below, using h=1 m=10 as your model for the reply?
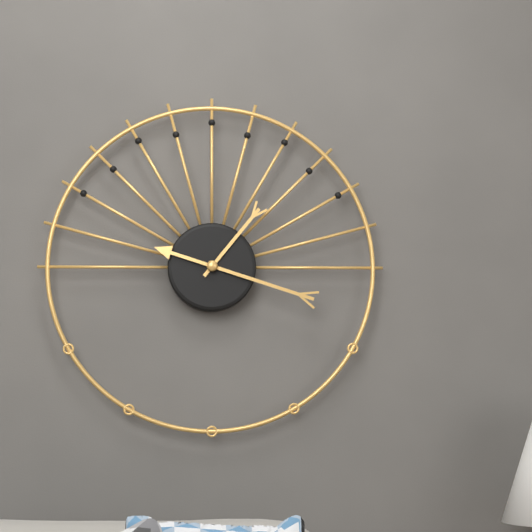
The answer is h=1 m=18
